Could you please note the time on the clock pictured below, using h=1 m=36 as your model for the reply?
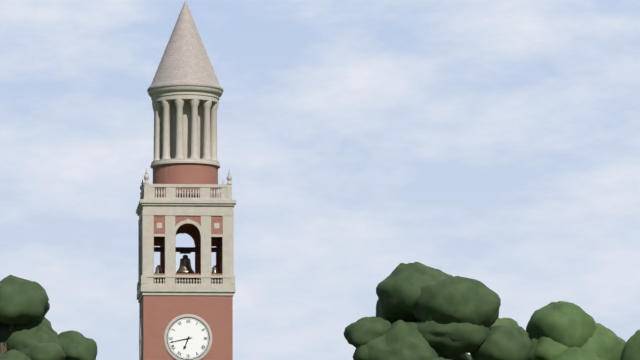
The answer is h=6 m=43
